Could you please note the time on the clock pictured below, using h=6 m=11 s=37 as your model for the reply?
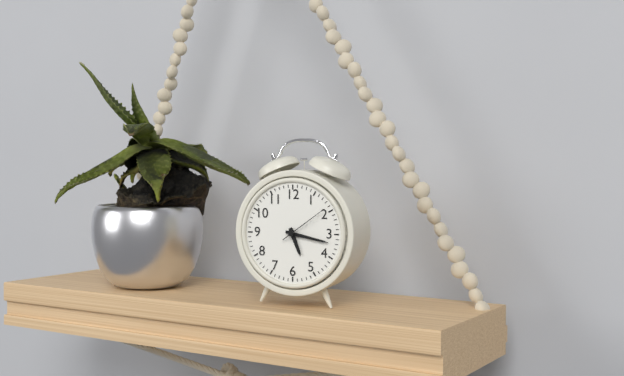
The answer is h=5 m=17 s=9
